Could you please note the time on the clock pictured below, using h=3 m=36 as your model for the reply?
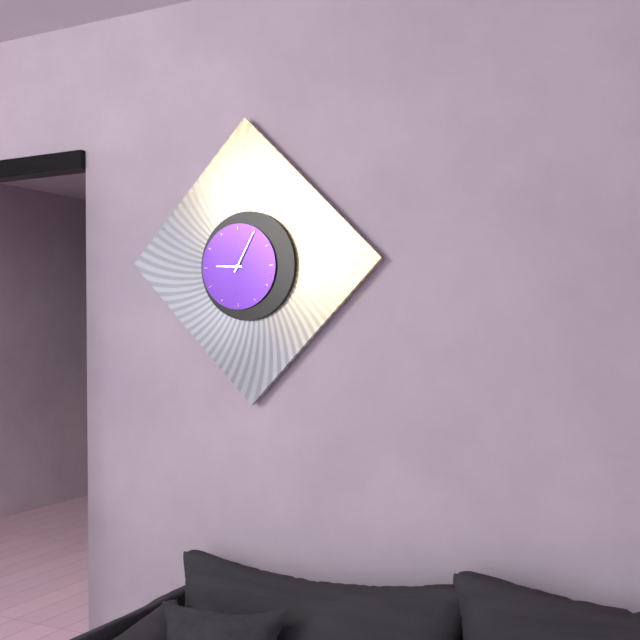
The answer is h=9 m=5
